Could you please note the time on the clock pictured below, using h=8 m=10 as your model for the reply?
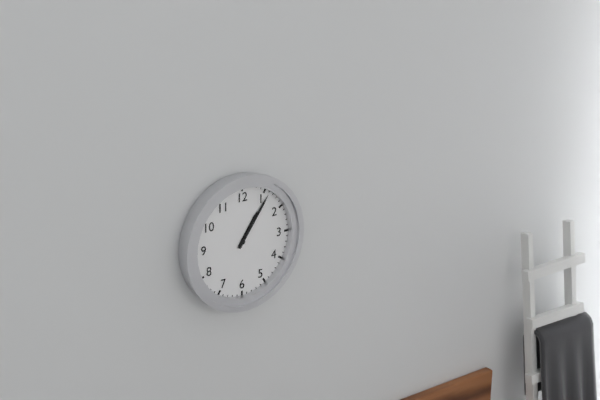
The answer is h=1 m=6
